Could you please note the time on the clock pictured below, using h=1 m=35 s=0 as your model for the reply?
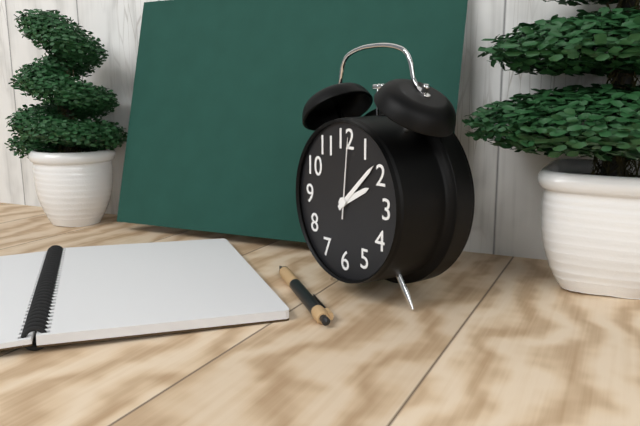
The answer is h=2 m=8 s=1
